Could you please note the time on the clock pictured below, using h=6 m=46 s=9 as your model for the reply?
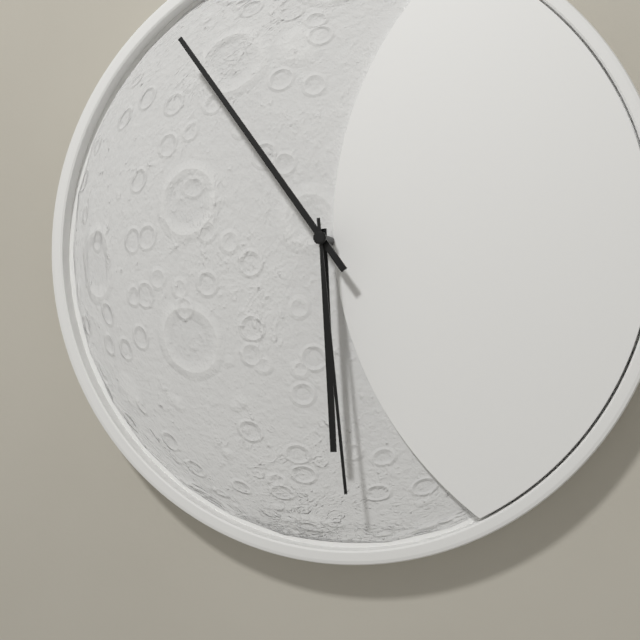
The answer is h=5 m=54 s=29
